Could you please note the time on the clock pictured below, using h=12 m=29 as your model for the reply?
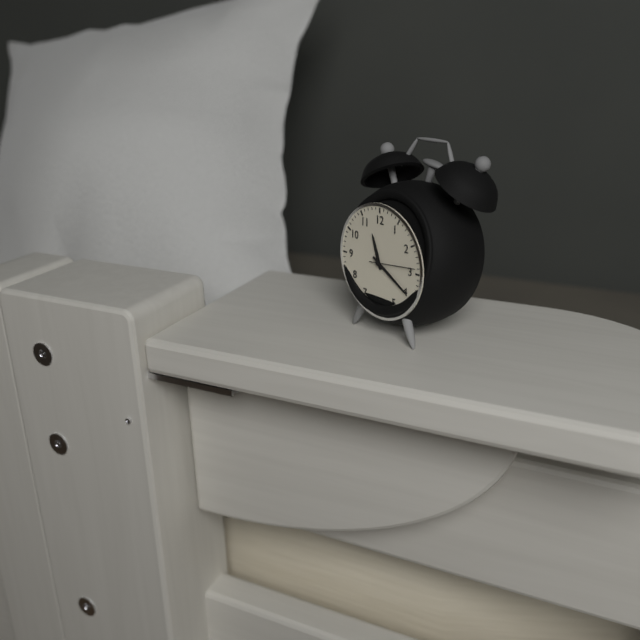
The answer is h=11 m=20
